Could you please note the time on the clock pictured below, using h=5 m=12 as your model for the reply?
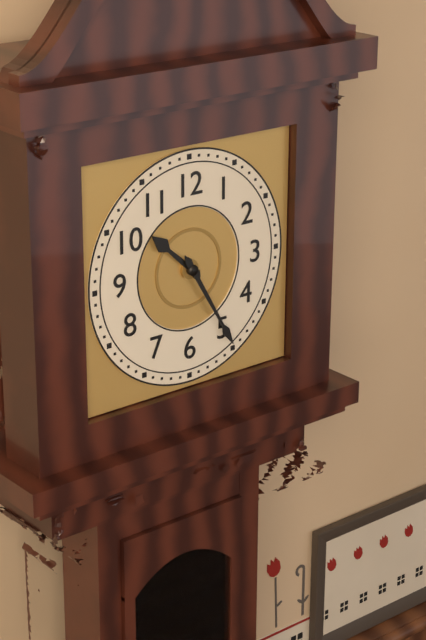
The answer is h=10 m=25
